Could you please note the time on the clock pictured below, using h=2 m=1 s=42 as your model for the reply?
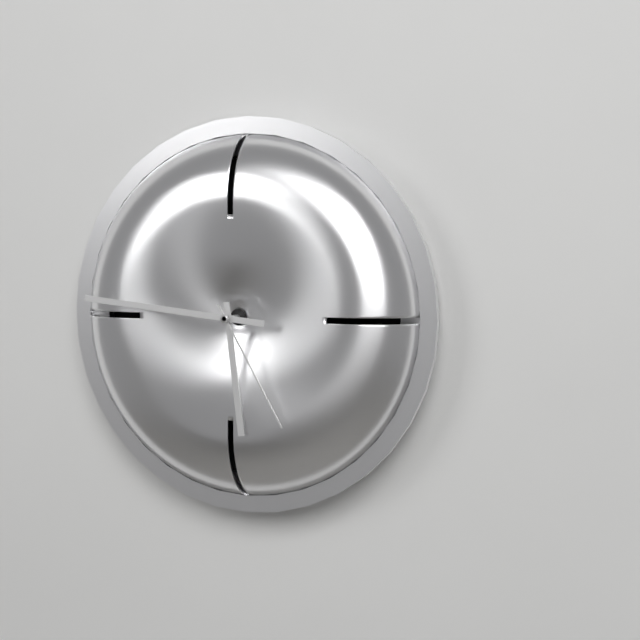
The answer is h=5 m=46 s=25
